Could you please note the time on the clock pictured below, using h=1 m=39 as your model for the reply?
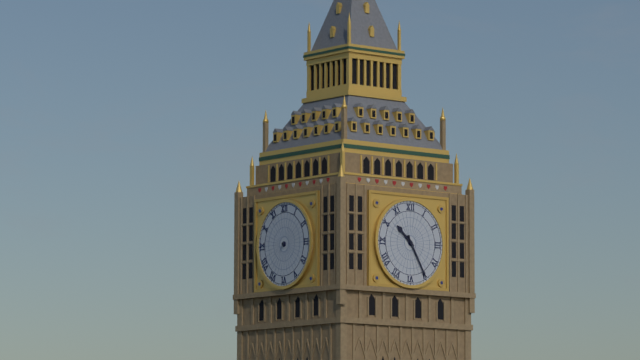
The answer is h=10 m=25
